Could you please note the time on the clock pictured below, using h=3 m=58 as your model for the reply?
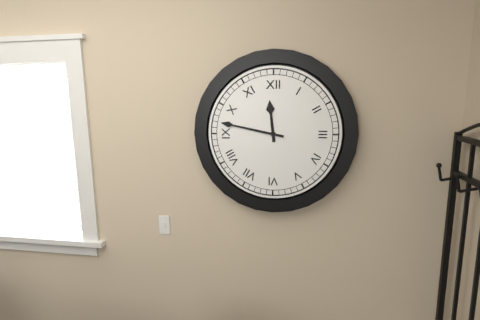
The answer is h=11 m=47
